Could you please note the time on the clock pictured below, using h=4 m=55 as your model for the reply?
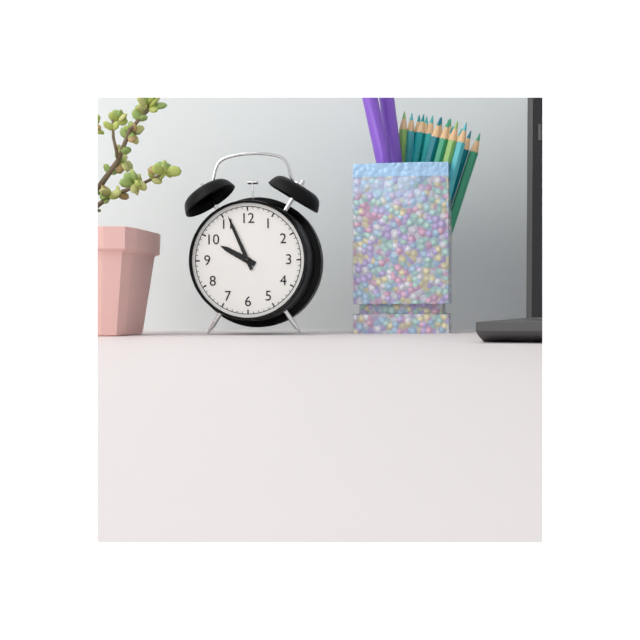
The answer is h=9 m=56
